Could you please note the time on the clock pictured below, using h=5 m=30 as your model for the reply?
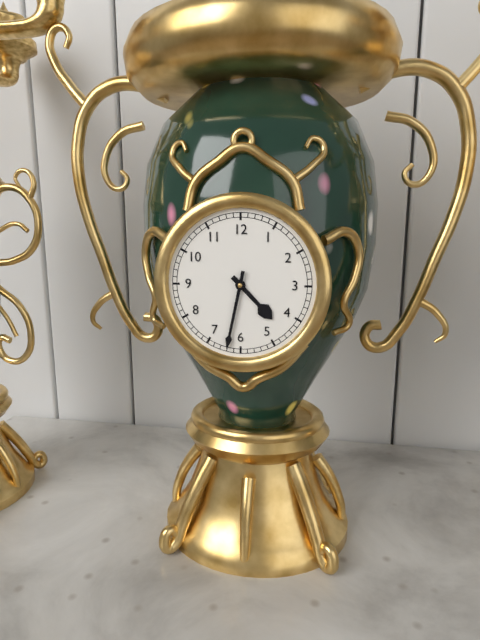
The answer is h=4 m=32
